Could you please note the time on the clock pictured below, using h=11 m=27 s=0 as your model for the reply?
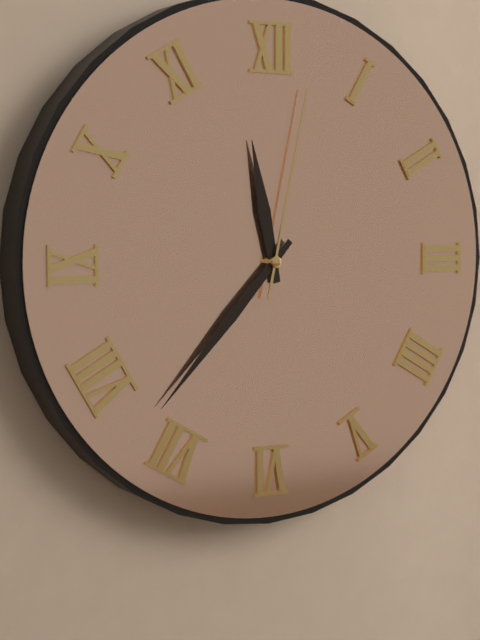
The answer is h=11 m=37 s=2
